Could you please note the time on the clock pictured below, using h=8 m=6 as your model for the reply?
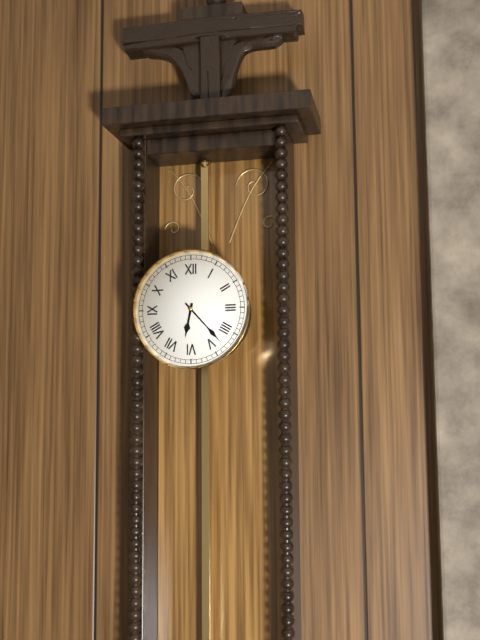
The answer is h=6 m=23
